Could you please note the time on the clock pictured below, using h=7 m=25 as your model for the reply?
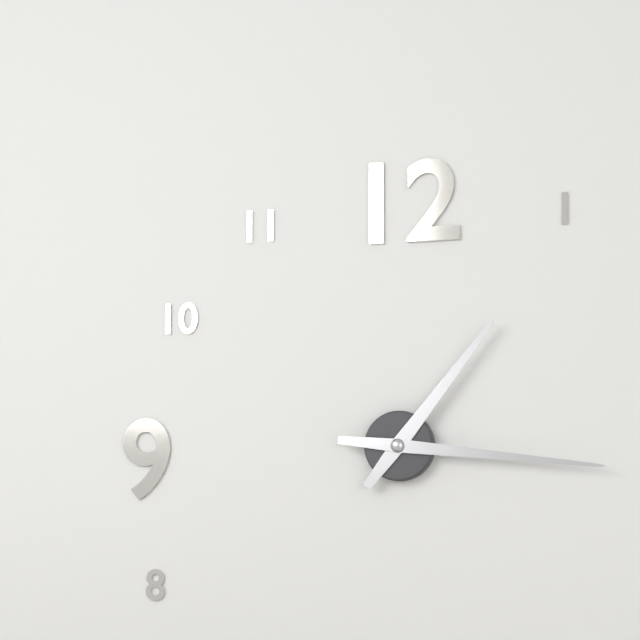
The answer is h=1 m=16
